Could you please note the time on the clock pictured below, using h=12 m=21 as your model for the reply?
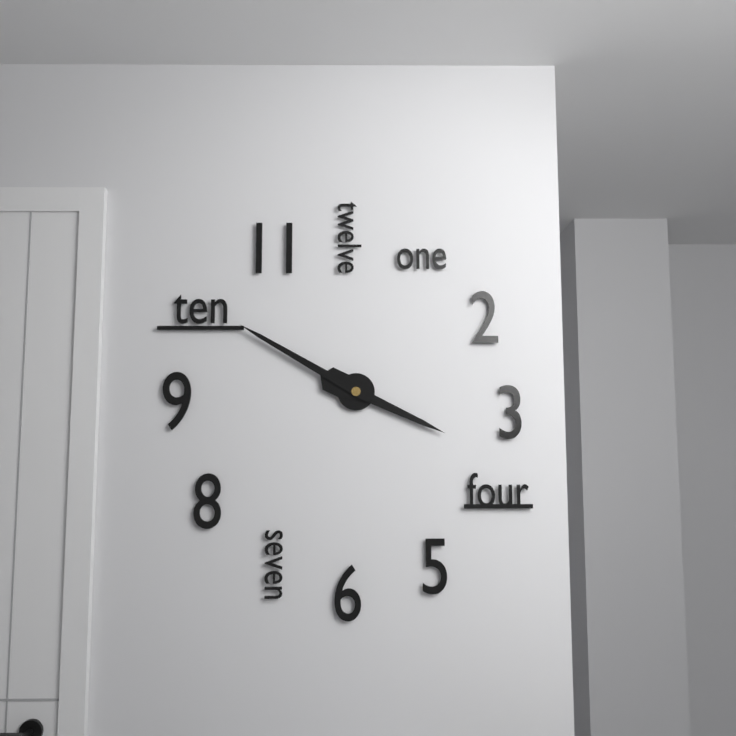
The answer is h=3 m=50
